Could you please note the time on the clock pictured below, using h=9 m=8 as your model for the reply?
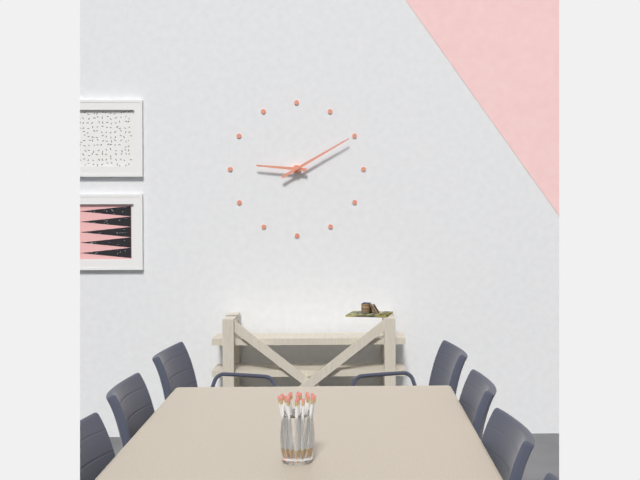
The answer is h=9 m=10
